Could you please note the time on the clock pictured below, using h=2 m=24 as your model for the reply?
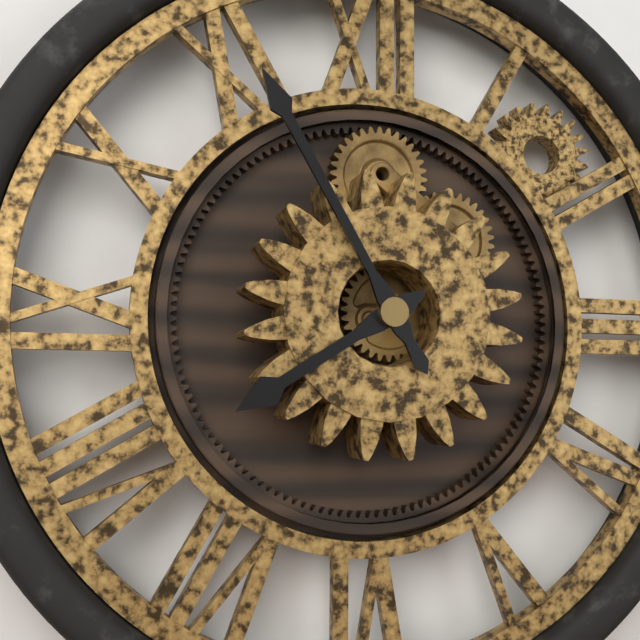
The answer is h=7 m=55
